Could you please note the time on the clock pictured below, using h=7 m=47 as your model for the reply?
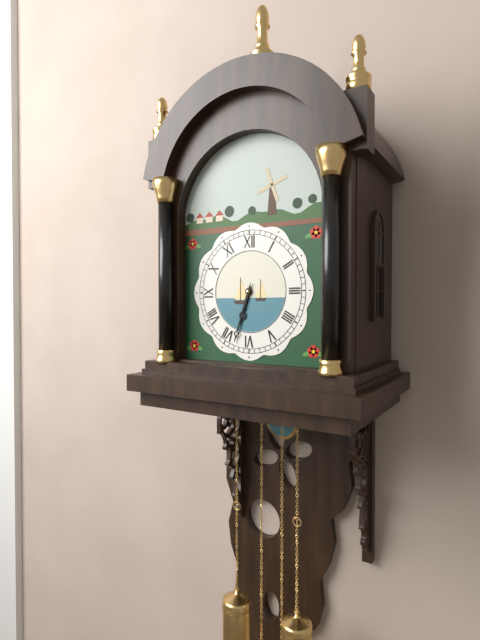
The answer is h=6 m=33
